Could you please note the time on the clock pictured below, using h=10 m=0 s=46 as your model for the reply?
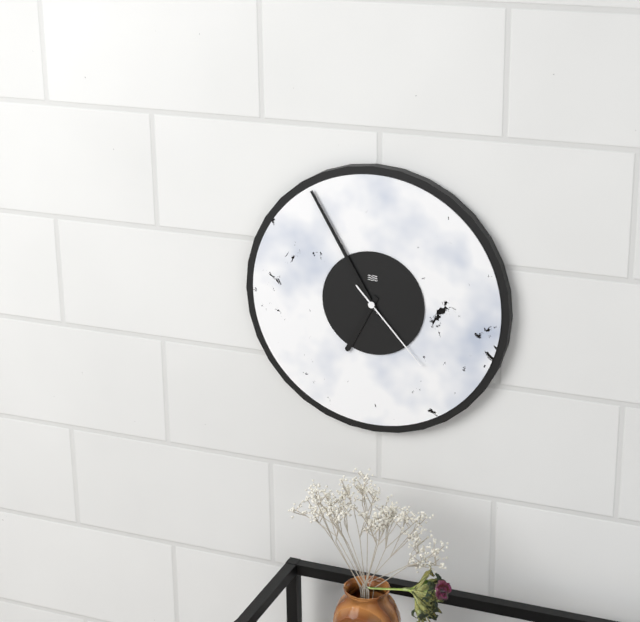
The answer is h=6 m=55 s=23
